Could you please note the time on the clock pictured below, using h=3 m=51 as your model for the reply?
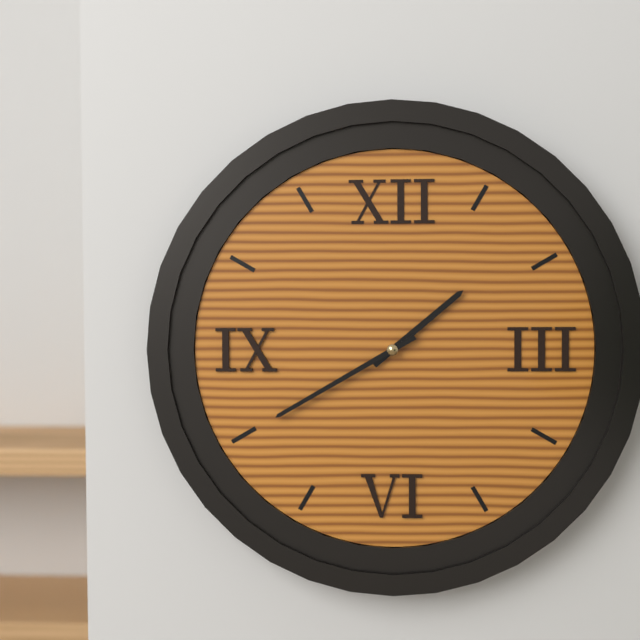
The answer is h=1 m=40
